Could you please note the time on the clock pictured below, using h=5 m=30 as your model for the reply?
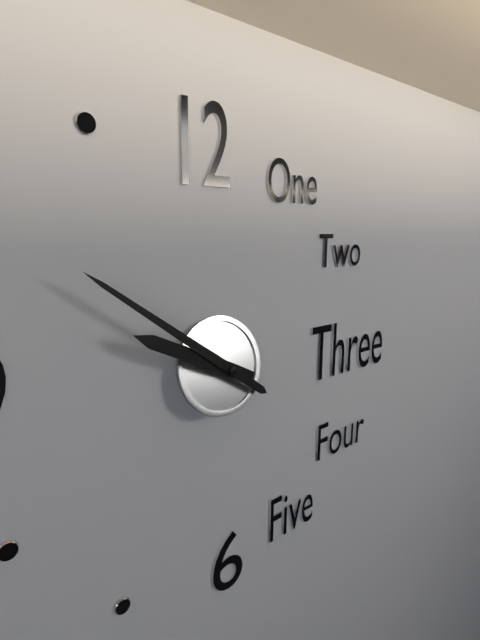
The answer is h=9 m=51
